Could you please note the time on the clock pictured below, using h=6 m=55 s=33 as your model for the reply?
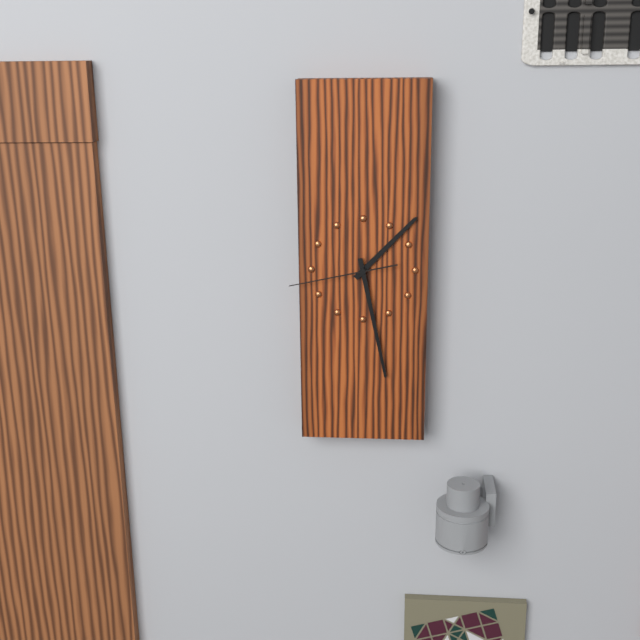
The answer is h=1 m=28 s=43
